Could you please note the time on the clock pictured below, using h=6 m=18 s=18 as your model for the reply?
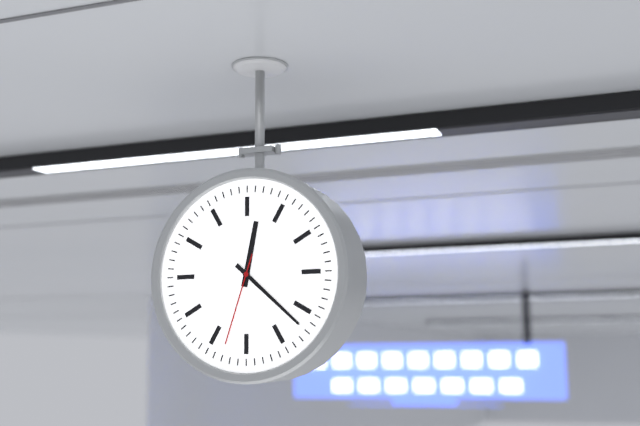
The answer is h=12 m=22 s=33
